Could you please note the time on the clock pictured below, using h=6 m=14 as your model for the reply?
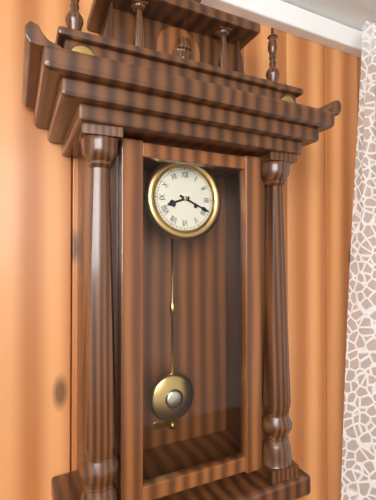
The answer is h=8 m=19
